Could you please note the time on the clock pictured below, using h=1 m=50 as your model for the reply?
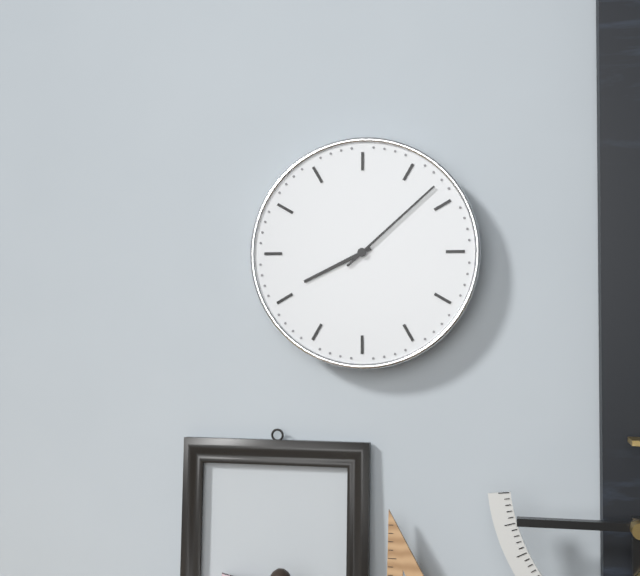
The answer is h=8 m=8
